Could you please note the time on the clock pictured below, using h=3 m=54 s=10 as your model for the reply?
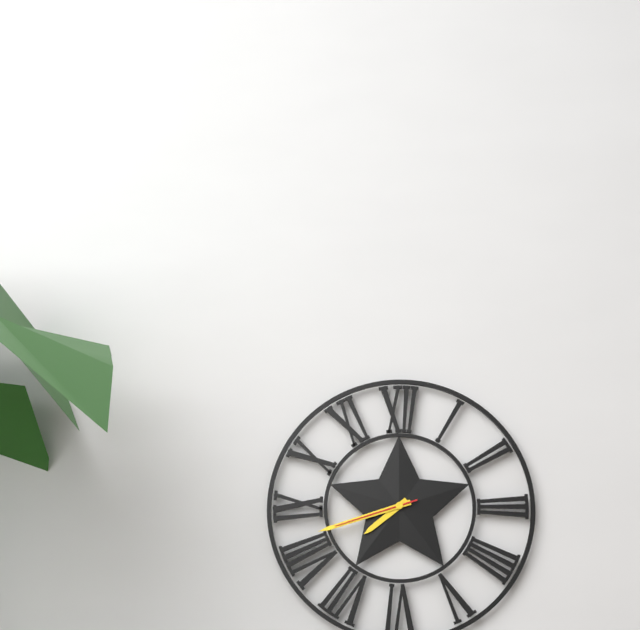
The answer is h=7 m=42 s=42
